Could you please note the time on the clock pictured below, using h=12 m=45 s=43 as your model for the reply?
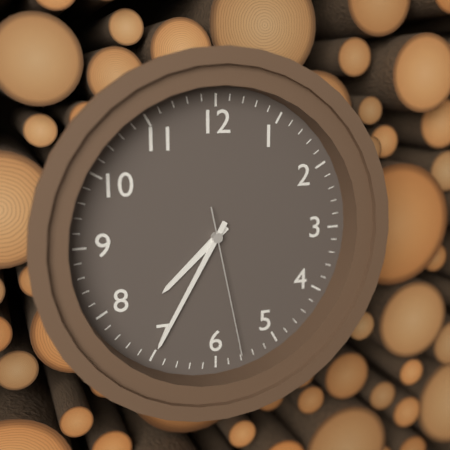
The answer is h=7 m=35 s=28
